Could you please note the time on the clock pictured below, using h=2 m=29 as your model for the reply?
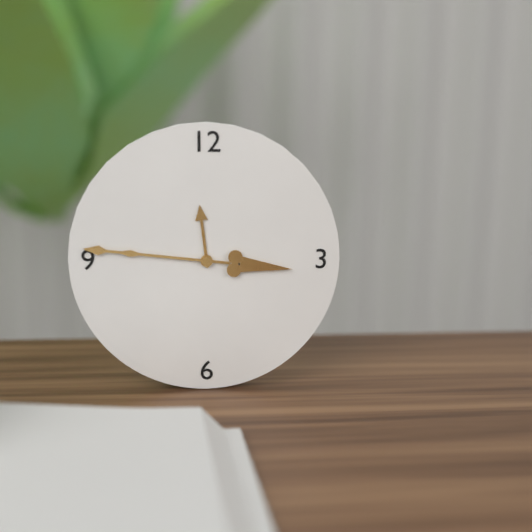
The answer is h=11 m=46
